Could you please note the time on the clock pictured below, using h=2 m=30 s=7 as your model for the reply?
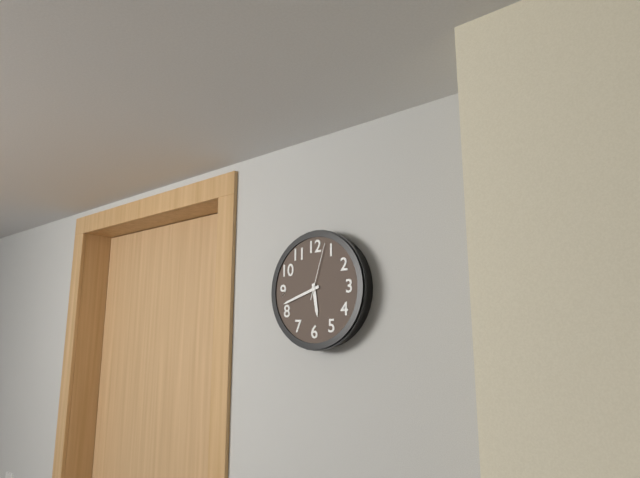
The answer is h=5 m=42 s=3
